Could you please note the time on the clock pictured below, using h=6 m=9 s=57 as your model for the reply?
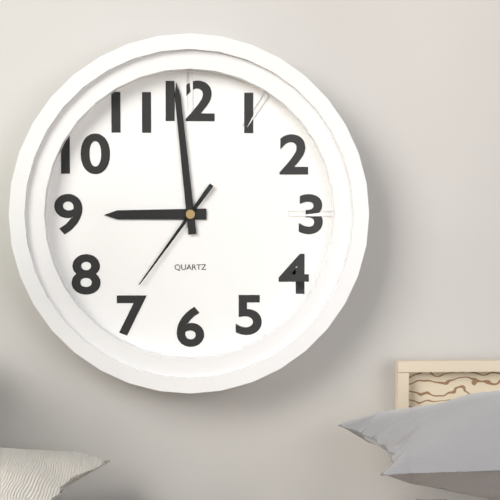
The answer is h=8 m=59 s=36
